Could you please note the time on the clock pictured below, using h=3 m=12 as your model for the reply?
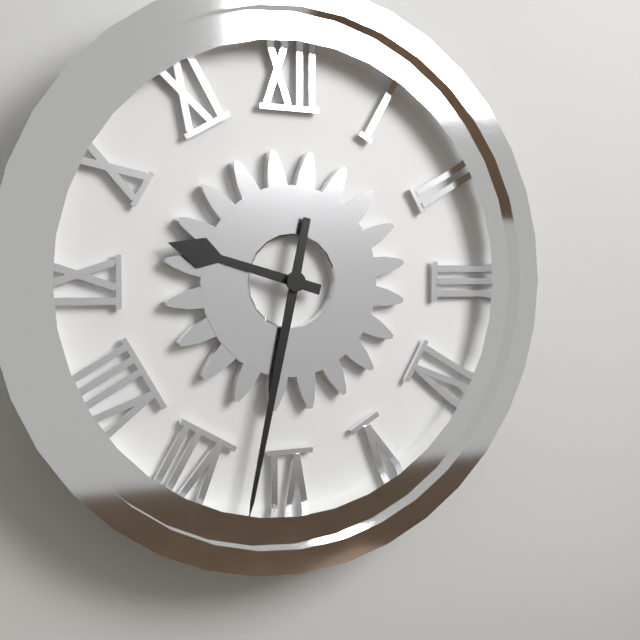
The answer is h=9 m=32
